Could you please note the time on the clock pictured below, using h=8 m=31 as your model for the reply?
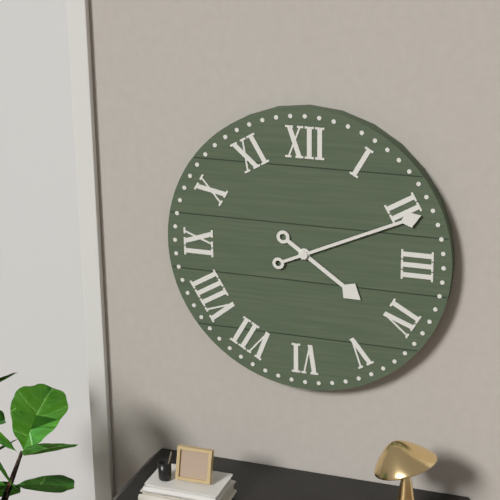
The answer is h=4 m=11
